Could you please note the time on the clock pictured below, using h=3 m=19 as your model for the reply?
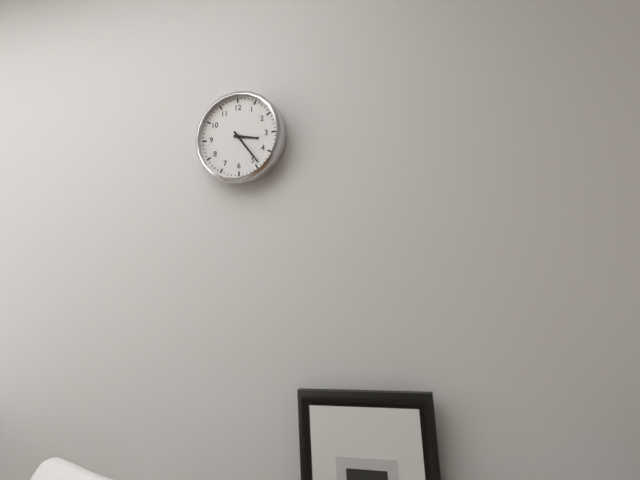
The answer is h=3 m=24
